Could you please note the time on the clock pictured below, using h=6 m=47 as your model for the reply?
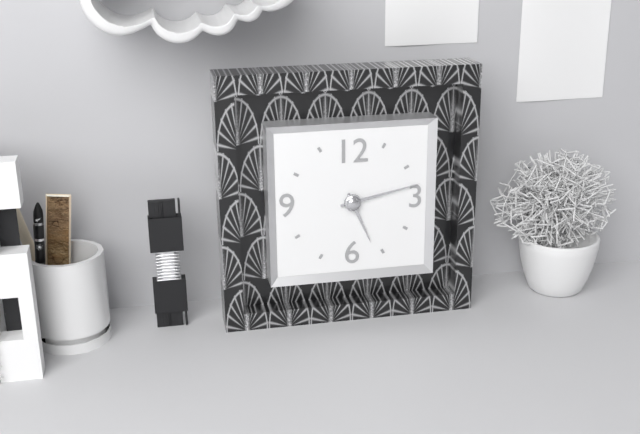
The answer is h=5 m=13
